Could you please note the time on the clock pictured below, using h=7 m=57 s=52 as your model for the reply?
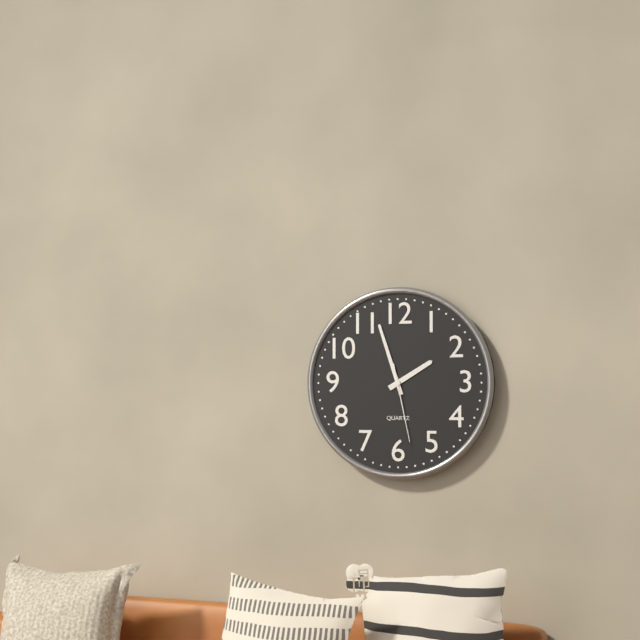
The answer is h=1 m=57 s=28
